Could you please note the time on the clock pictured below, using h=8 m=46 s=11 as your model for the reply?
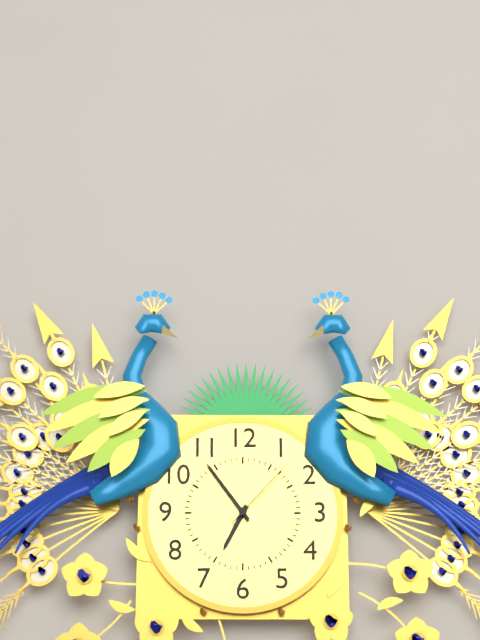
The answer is h=6 m=54 s=7
